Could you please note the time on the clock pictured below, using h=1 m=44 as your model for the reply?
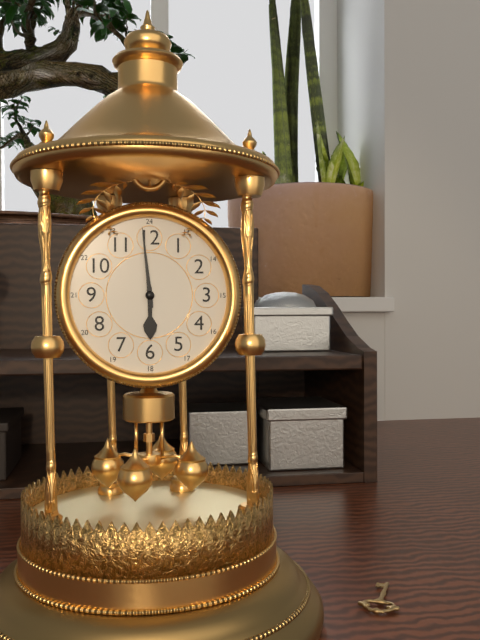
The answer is h=5 m=59
